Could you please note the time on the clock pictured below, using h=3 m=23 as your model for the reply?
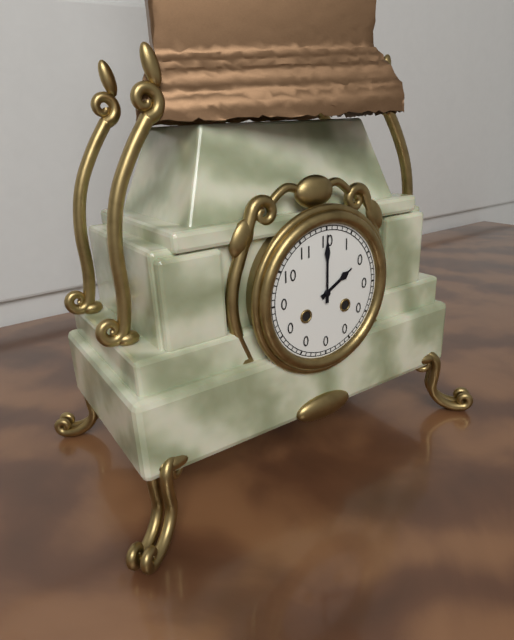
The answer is h=2 m=0
